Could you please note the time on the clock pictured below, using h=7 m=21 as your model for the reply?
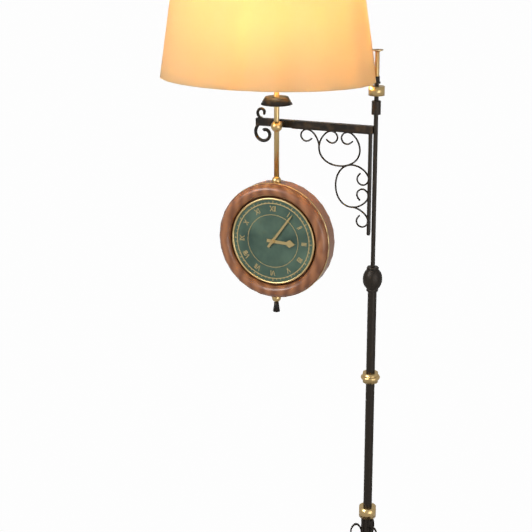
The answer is h=3 m=6
